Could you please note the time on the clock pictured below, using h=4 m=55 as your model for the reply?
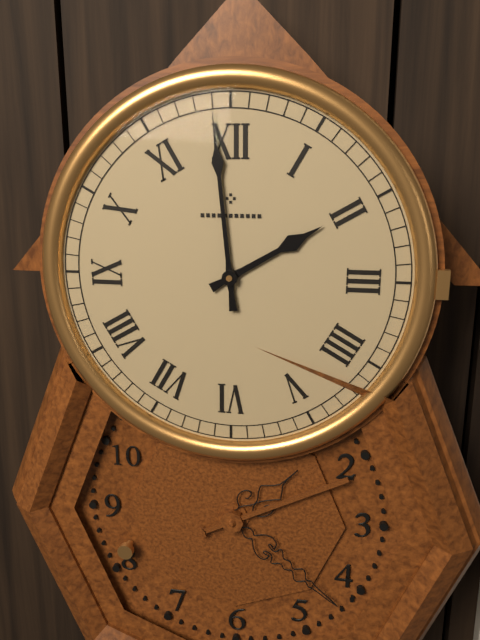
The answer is h=1 m=59
